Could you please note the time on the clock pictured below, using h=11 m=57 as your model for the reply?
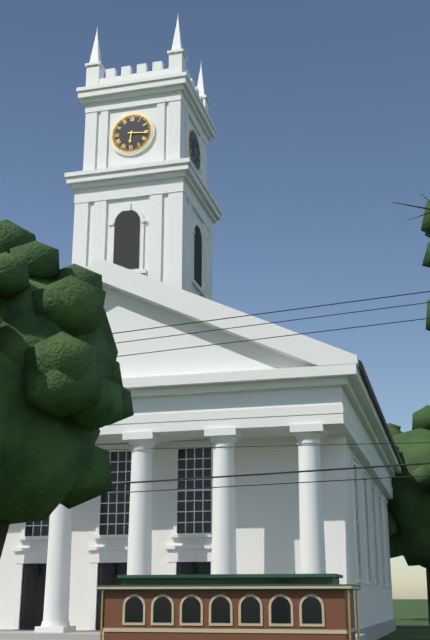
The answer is h=6 m=16
